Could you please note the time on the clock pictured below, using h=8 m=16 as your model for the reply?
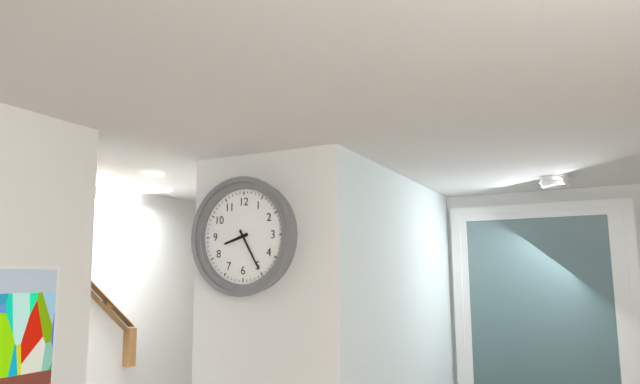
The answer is h=8 m=25
